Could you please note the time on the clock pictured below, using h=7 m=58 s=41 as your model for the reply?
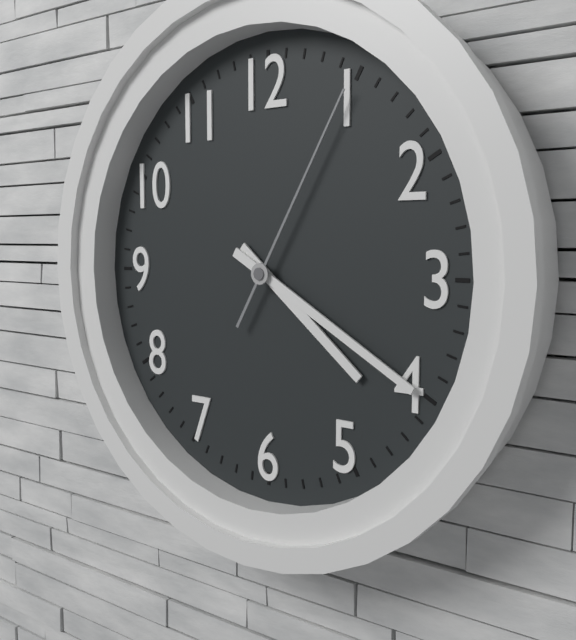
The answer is h=4 m=20 s=5
